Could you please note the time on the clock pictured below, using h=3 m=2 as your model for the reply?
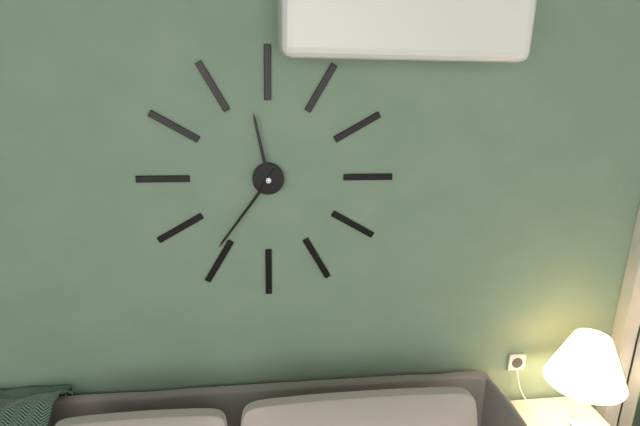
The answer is h=11 m=36
